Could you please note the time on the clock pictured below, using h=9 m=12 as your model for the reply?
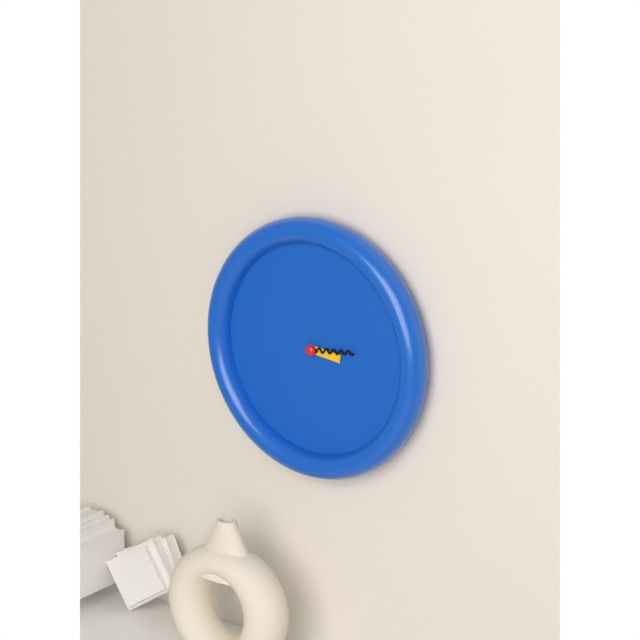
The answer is h=3 m=14
